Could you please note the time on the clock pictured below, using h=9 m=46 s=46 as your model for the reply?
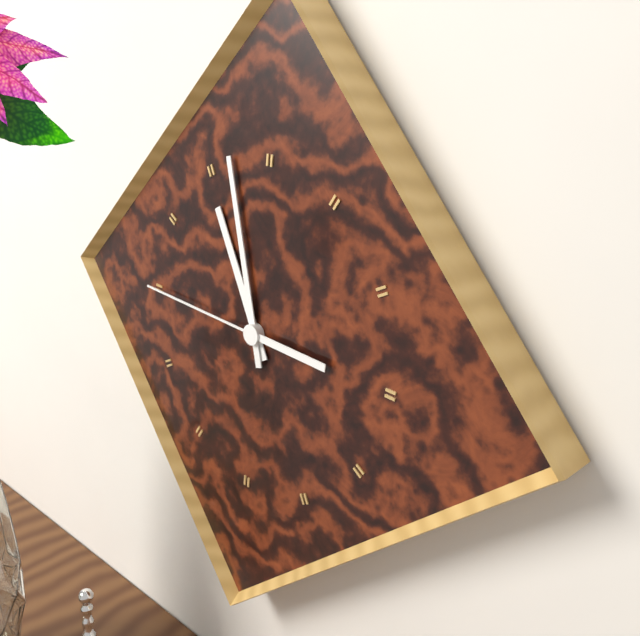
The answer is h=10 m=57 s=45
